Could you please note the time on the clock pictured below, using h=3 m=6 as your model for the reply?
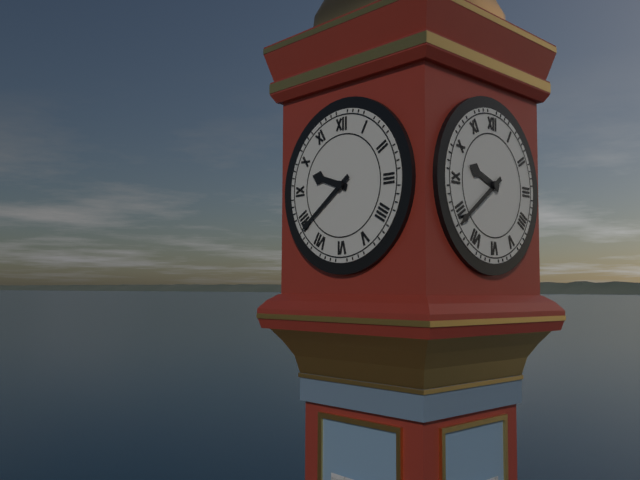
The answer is h=9 m=39
